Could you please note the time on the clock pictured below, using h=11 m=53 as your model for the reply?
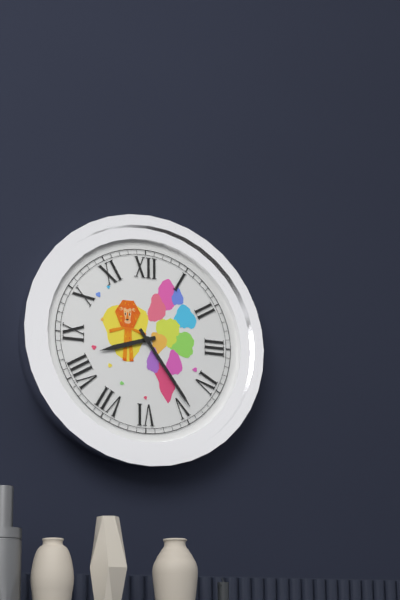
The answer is h=8 m=24
